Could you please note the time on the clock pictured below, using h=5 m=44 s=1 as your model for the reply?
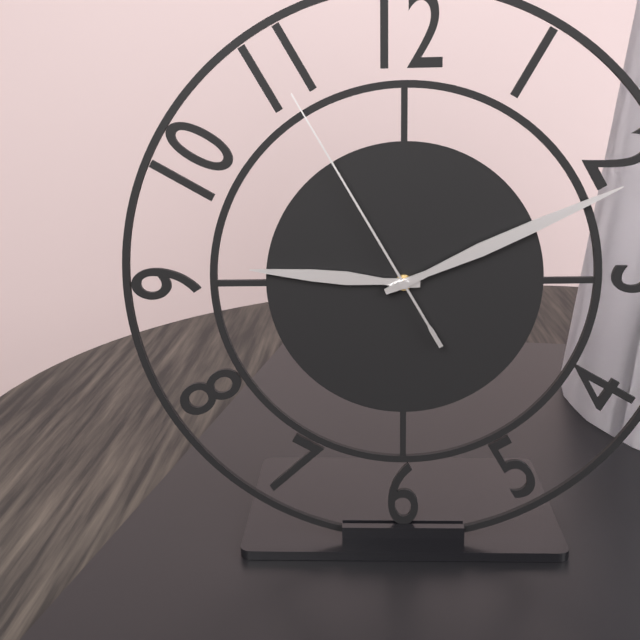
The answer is h=9 m=11 s=55
